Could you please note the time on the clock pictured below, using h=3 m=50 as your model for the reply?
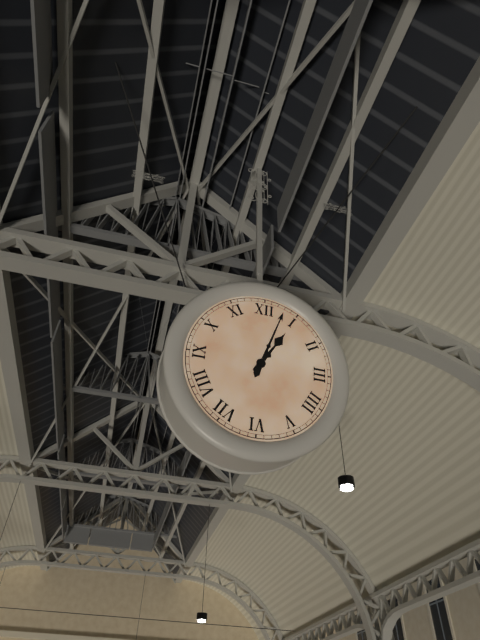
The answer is h=1 m=3
